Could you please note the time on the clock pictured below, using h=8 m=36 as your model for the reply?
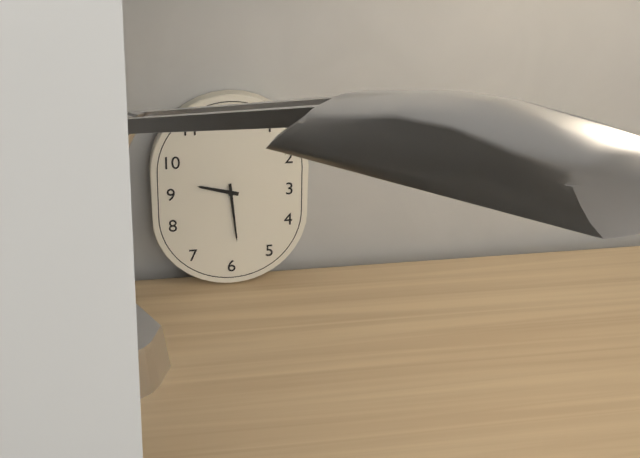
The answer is h=9 m=29
